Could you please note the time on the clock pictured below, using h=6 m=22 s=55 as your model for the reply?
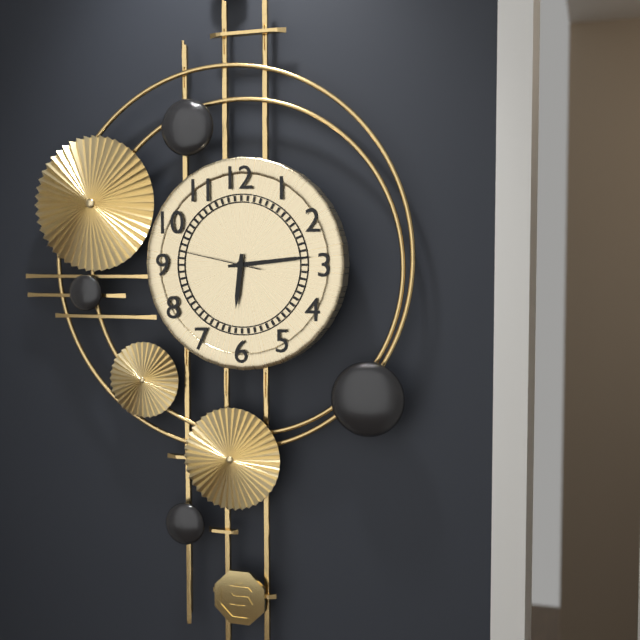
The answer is h=6 m=14 s=47
